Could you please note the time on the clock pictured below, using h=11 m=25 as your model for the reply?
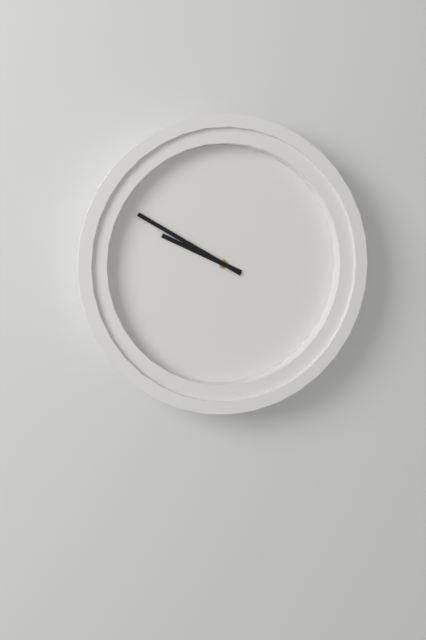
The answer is h=9 m=50
